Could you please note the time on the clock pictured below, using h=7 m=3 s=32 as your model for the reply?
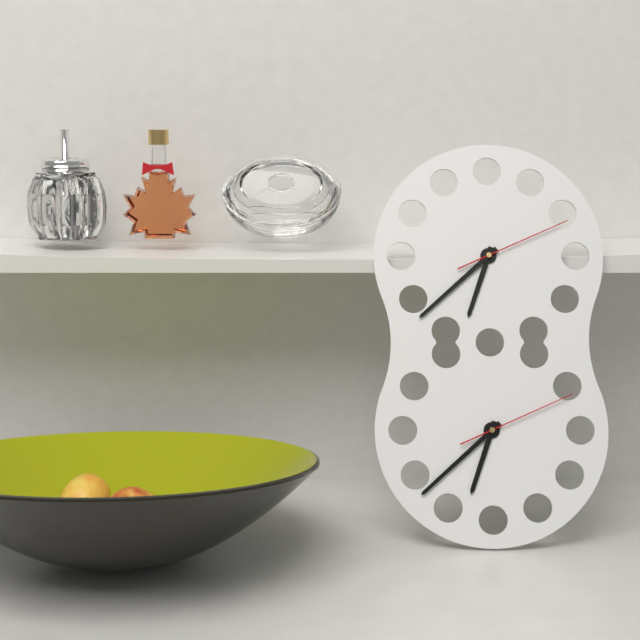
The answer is h=6 m=38 s=11
